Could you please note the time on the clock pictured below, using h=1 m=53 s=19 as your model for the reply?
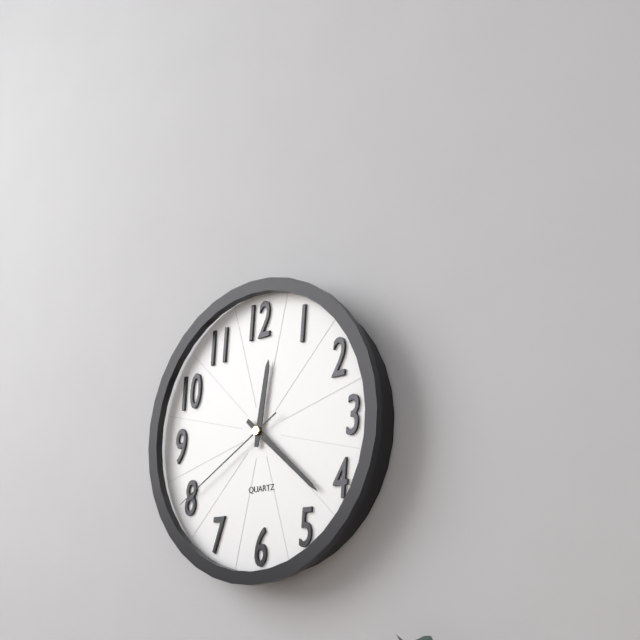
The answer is h=12 m=22 s=40
